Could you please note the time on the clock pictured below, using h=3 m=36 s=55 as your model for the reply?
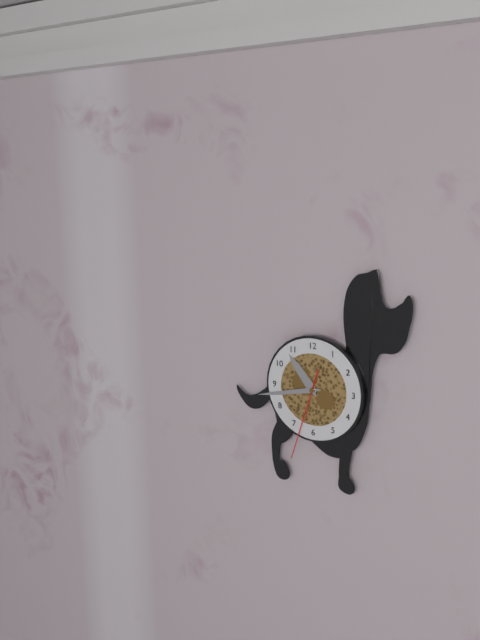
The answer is h=10 m=43 s=33
